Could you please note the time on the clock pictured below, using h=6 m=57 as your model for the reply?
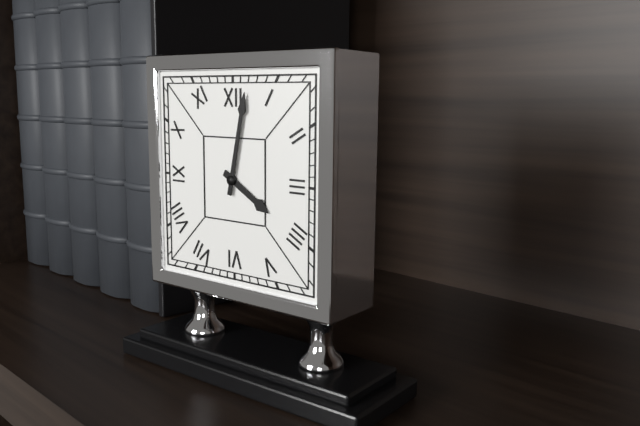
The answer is h=4 m=2
